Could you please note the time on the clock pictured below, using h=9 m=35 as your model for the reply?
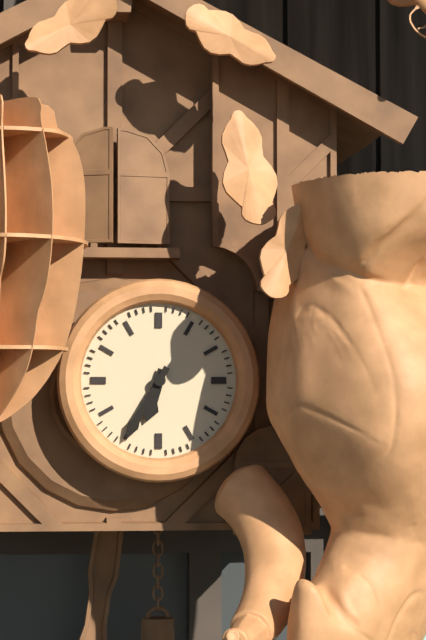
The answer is h=6 m=35
